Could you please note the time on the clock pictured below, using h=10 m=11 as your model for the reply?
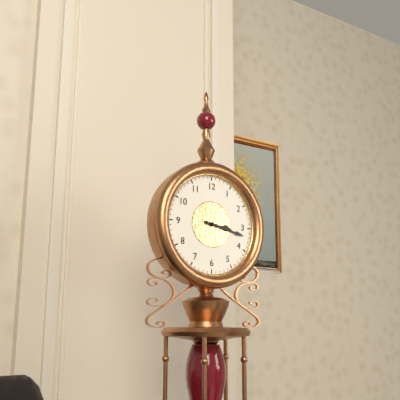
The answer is h=3 m=17
